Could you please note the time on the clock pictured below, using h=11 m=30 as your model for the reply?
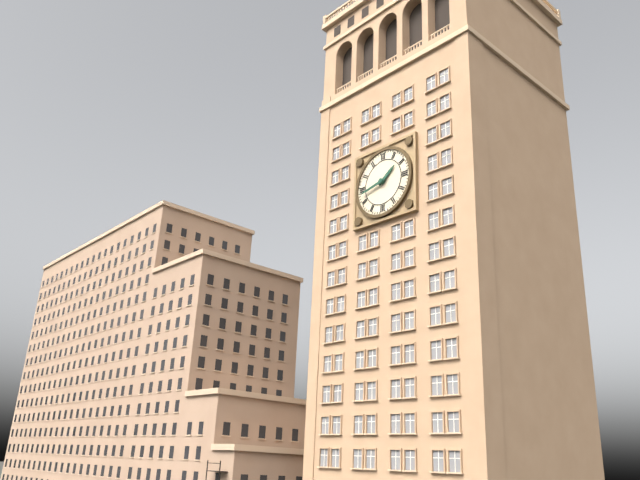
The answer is h=1 m=43
